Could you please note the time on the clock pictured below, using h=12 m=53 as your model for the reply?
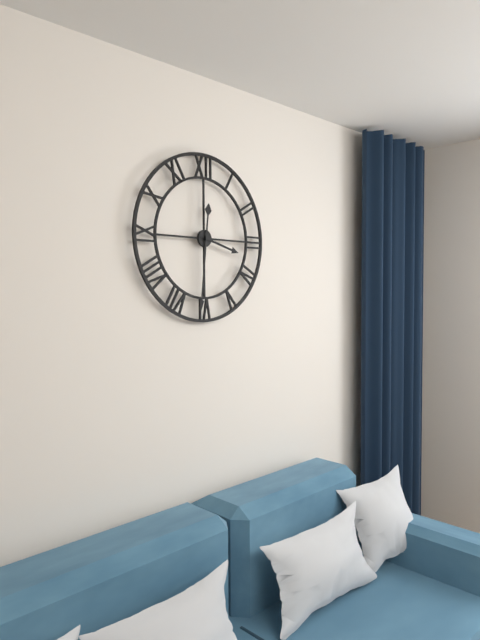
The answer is h=3 m=31
